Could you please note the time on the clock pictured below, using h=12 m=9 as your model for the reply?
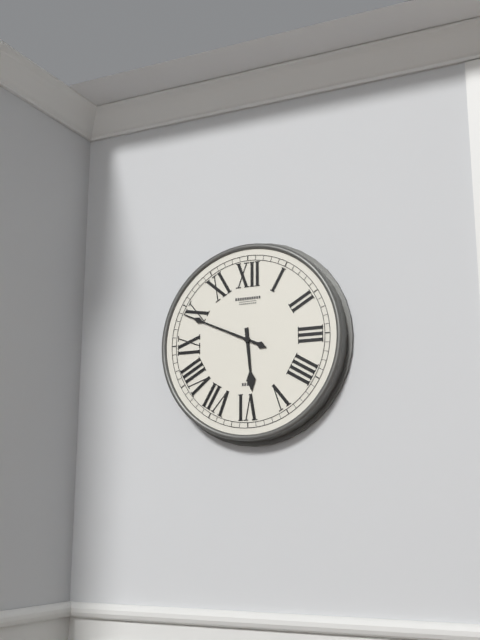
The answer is h=5 m=49
